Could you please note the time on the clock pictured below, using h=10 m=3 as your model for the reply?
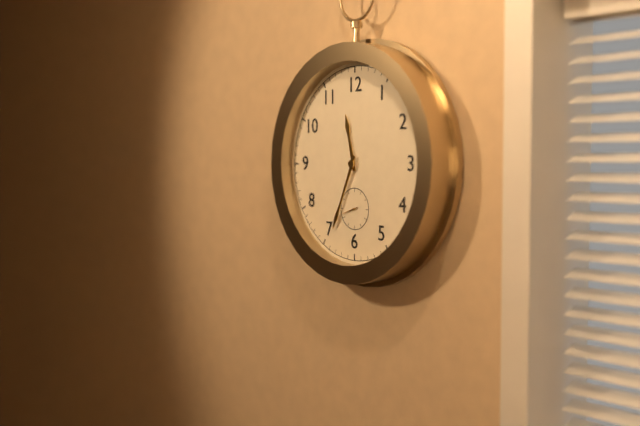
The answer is h=11 m=34
